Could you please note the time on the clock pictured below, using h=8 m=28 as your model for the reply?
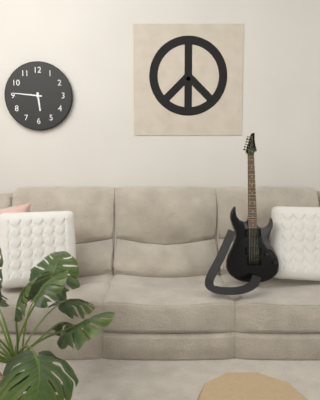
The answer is h=5 m=46
